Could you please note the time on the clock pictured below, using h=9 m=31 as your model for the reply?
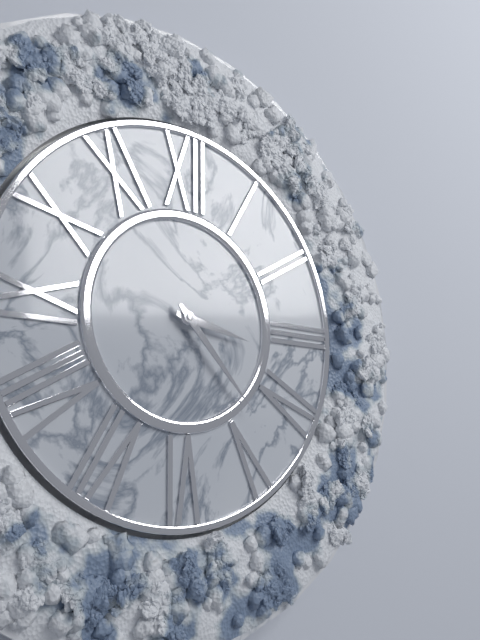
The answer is h=3 m=23
